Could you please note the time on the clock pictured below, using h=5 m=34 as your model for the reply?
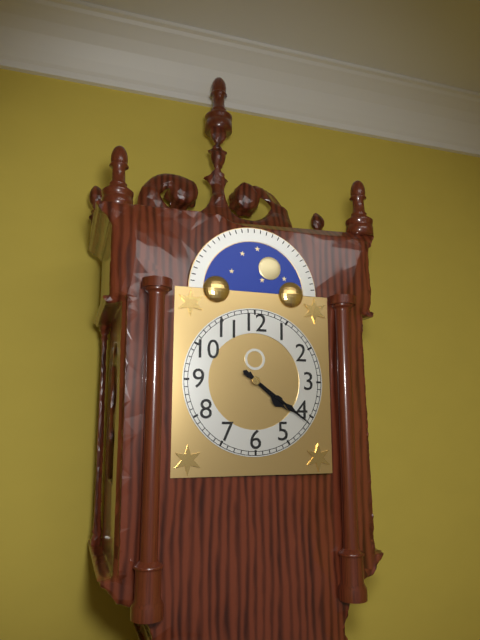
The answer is h=4 m=21
